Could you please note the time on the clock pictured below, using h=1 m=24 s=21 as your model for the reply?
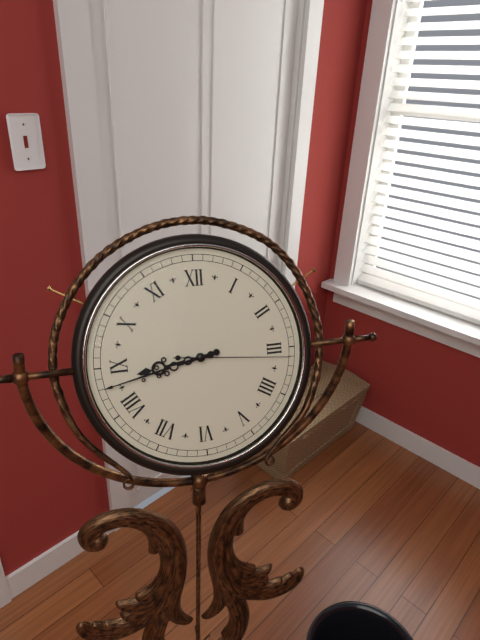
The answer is h=8 m=43 s=16
